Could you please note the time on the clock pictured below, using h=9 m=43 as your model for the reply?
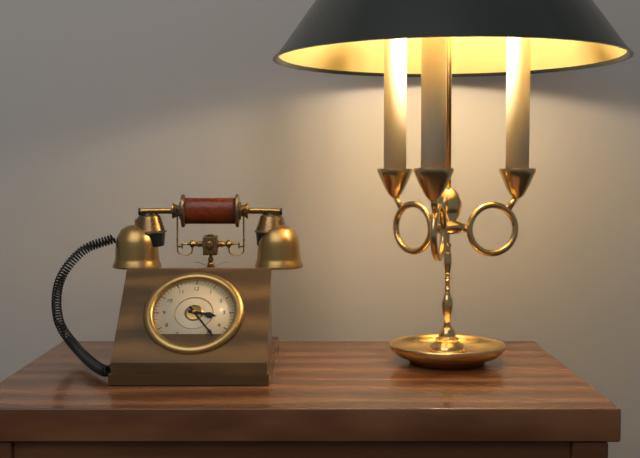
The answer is h=3 m=24
